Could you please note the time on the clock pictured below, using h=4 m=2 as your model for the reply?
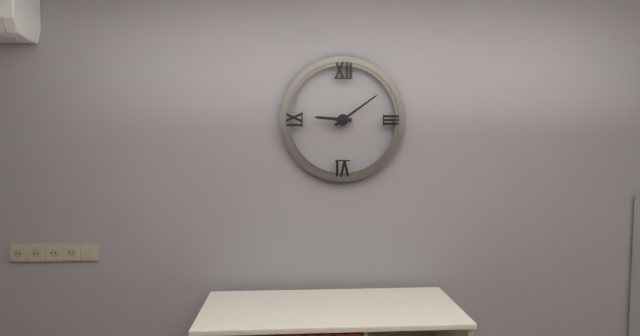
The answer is h=9 m=9
